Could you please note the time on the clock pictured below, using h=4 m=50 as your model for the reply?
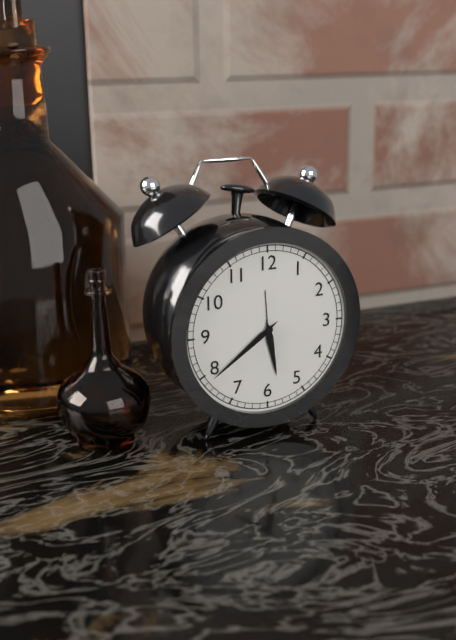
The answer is h=5 m=39
